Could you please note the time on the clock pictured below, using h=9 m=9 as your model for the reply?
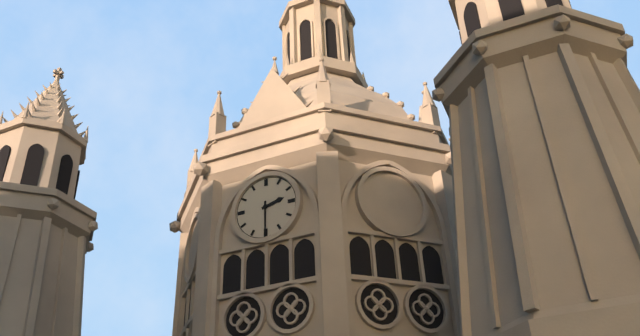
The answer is h=2 m=30
